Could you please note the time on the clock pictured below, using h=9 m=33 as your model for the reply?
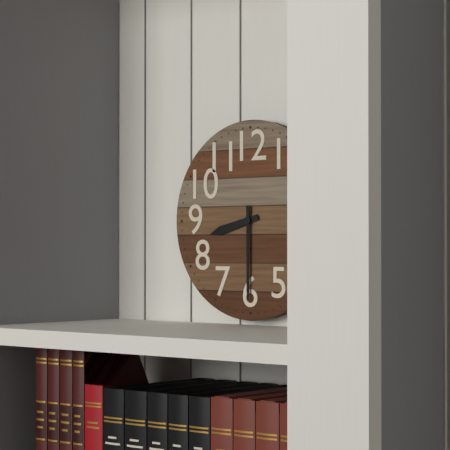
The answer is h=8 m=30
